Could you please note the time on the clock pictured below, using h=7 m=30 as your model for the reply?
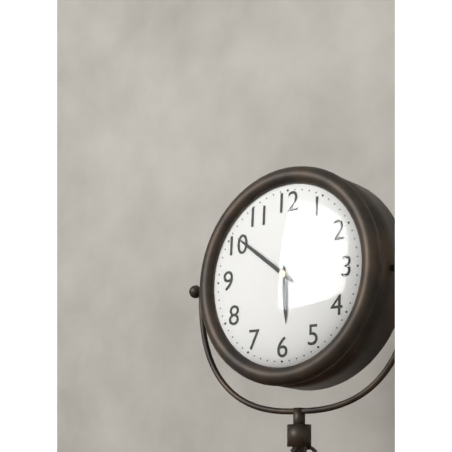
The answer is h=5 m=51
